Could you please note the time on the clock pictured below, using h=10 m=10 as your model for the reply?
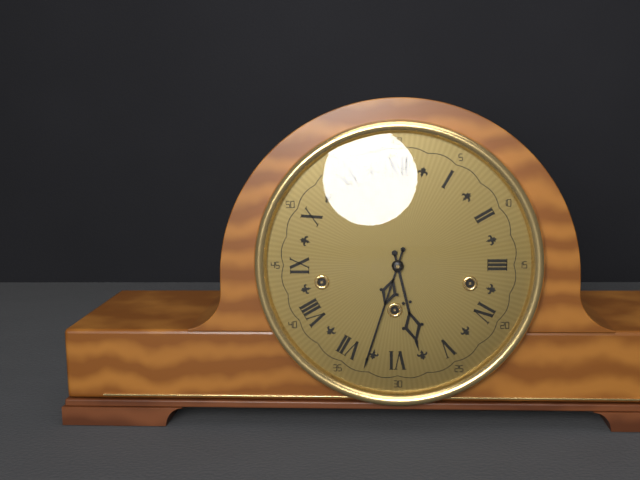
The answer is h=5 m=33
